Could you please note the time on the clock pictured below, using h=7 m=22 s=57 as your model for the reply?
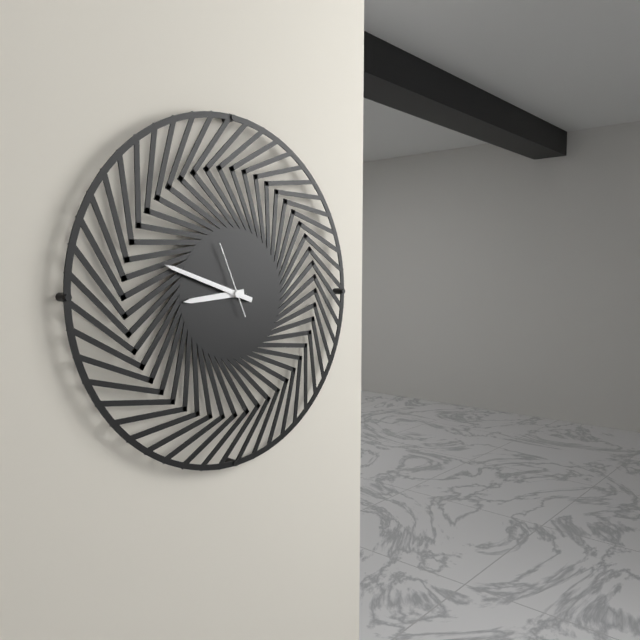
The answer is h=8 m=48 s=56
